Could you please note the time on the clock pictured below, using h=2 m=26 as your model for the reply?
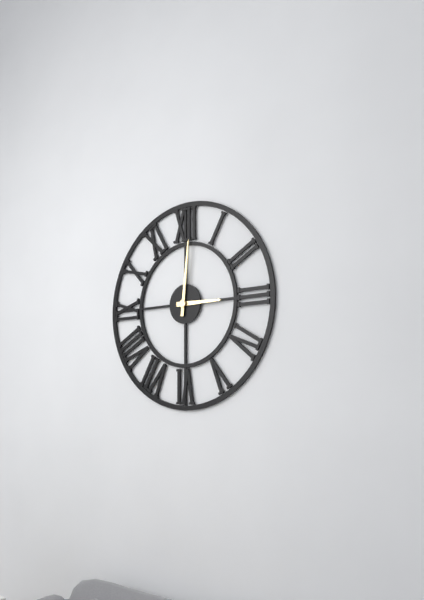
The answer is h=3 m=1
